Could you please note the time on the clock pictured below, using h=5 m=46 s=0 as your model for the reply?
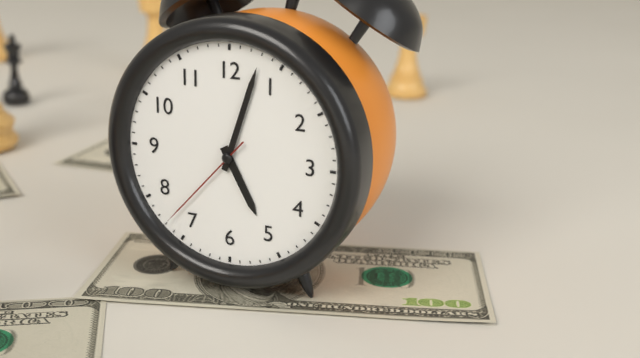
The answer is h=5 m=3 s=37
